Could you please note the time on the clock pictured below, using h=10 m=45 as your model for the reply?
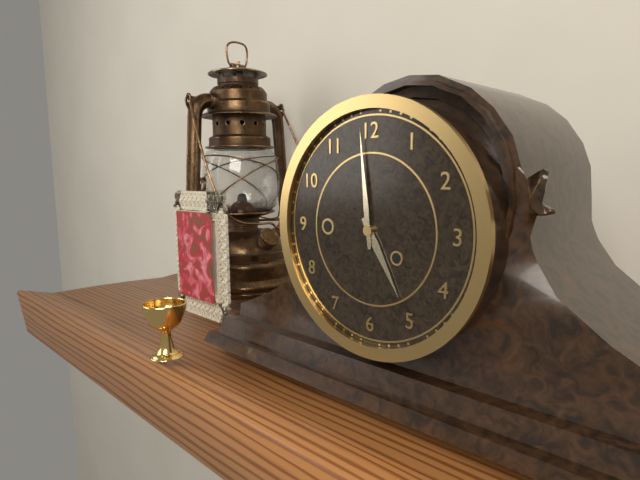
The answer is h=4 m=59
